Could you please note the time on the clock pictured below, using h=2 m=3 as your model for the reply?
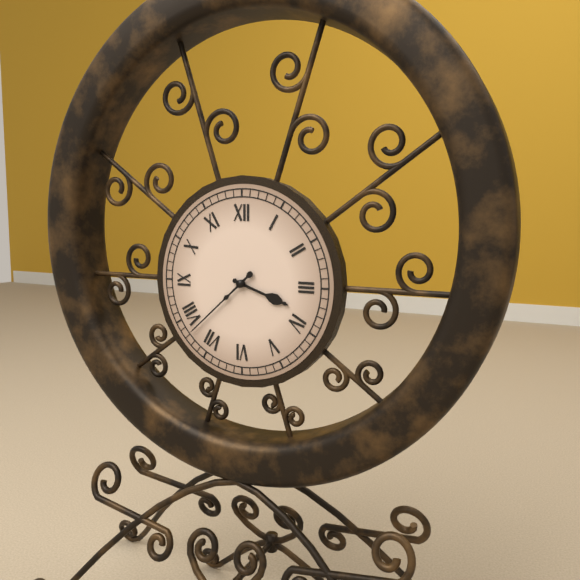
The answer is h=3 m=38
